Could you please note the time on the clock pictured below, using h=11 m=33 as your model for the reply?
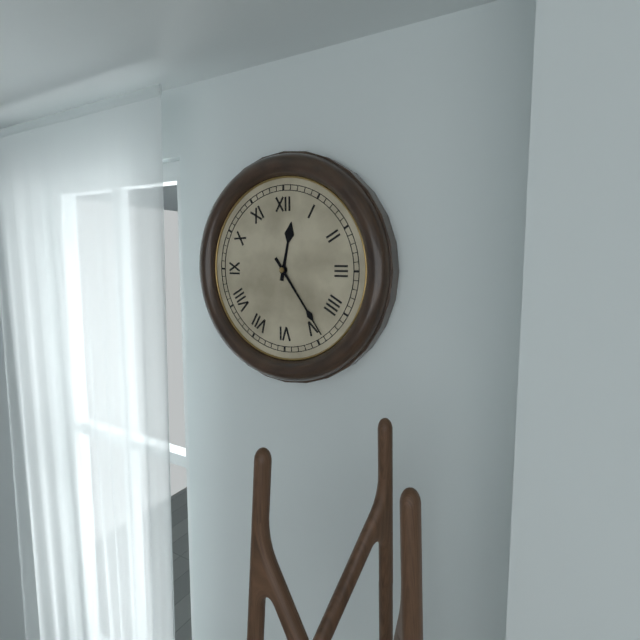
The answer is h=12 m=24
